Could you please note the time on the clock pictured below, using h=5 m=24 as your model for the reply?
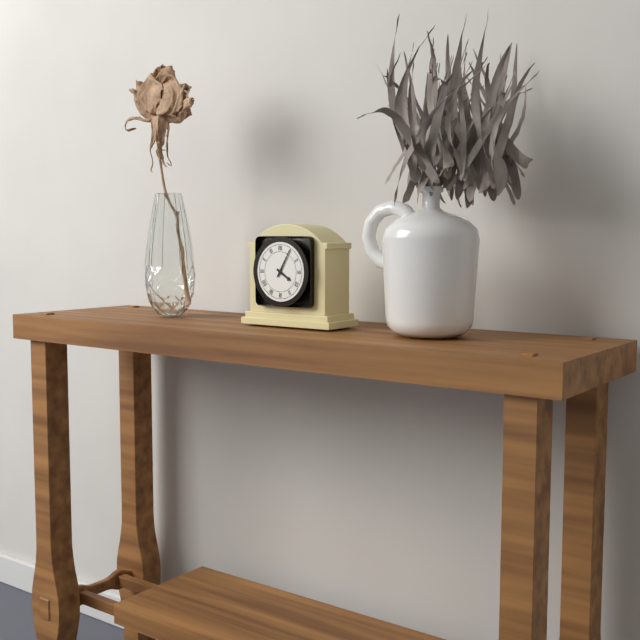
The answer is h=4 m=5
